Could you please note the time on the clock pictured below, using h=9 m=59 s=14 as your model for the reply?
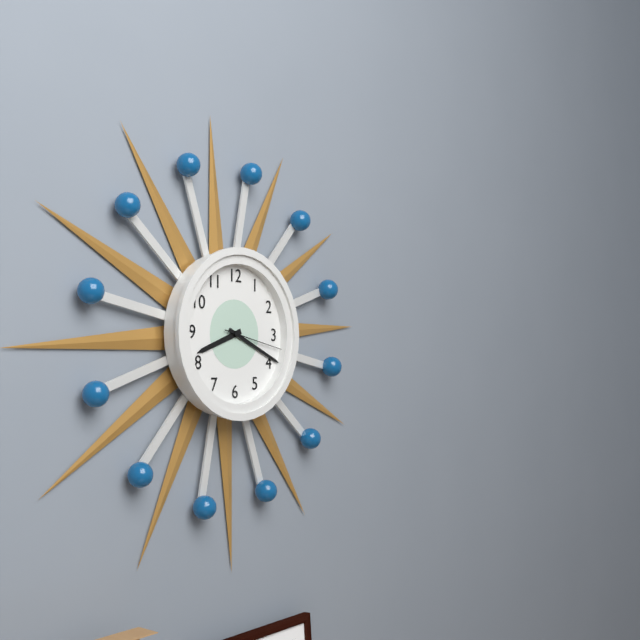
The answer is h=8 m=19 s=17
